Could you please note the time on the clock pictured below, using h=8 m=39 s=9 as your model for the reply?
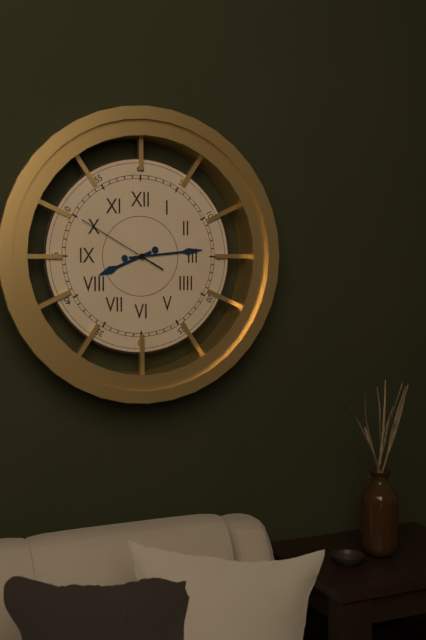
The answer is h=8 m=14 s=50
